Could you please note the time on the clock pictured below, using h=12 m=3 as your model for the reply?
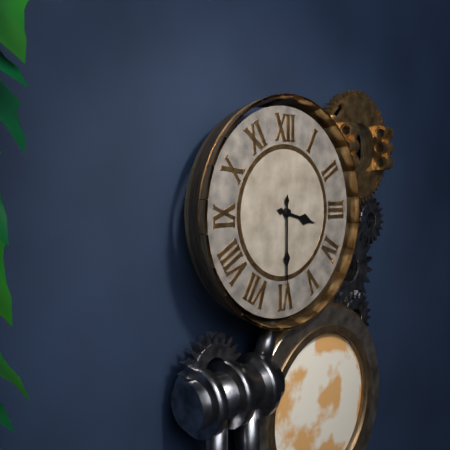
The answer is h=3 m=30
